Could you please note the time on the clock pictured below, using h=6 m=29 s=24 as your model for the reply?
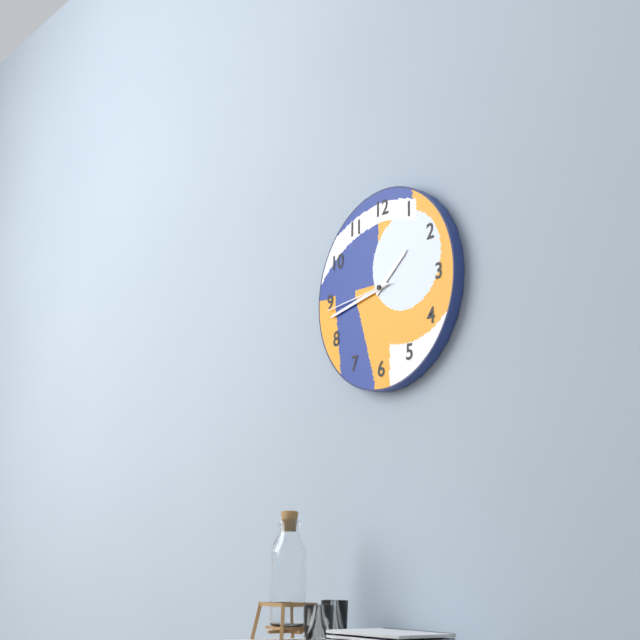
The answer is h=1 m=43 s=44
